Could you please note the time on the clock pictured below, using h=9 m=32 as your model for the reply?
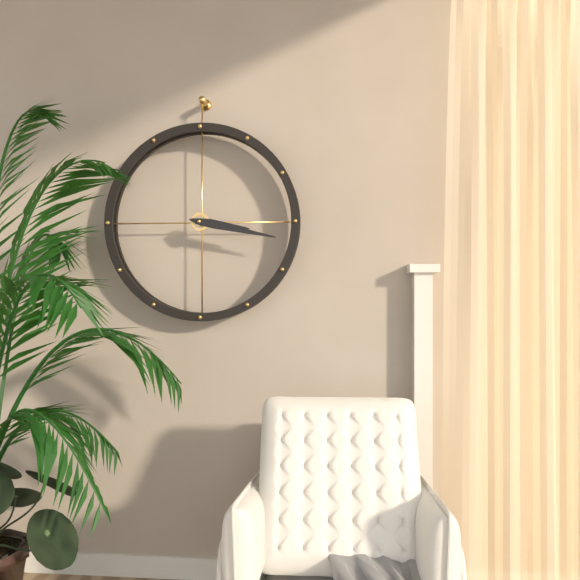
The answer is h=3 m=17
